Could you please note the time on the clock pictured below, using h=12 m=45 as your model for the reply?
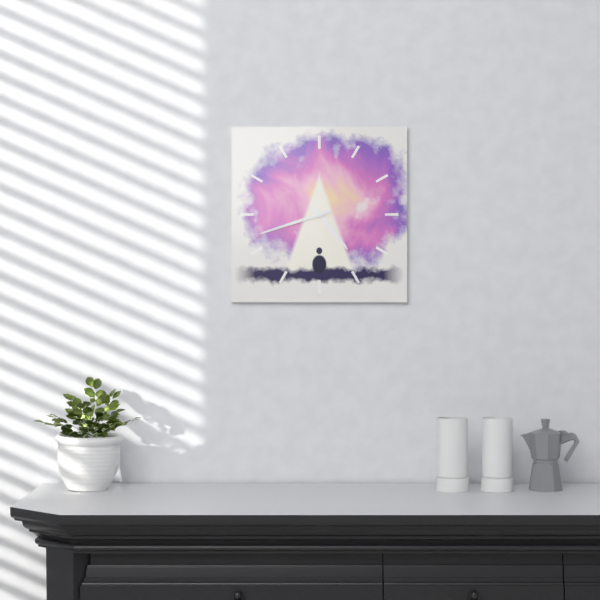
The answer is h=4 m=42
